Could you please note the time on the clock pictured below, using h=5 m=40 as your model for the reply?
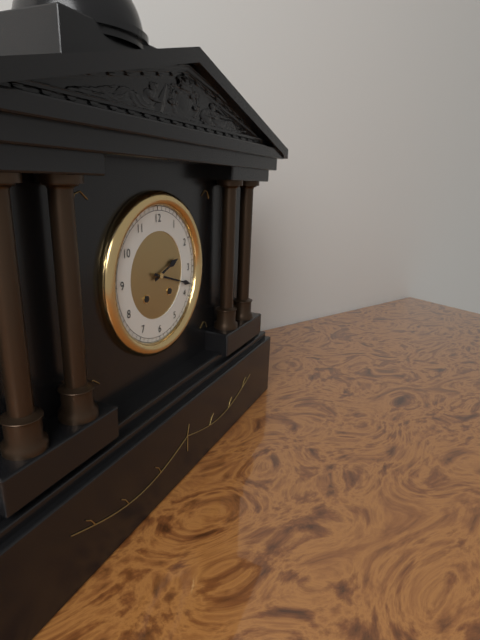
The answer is h=2 m=18
